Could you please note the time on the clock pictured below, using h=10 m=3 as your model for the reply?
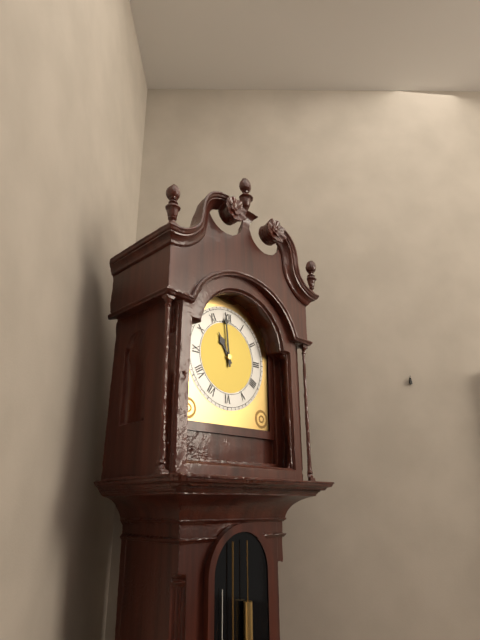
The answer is h=10 m=59
